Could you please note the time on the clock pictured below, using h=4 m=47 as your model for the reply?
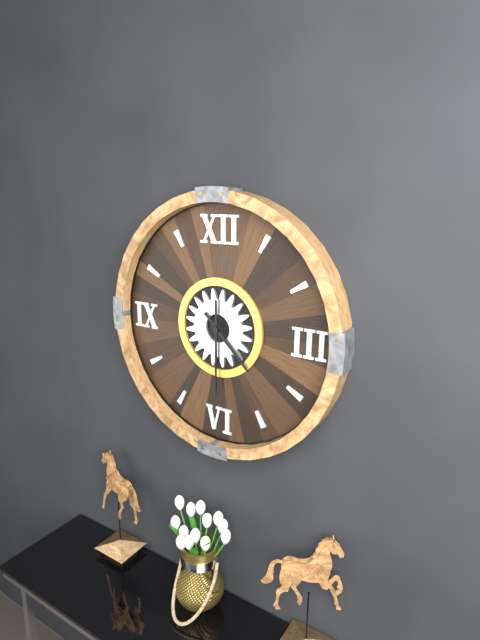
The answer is h=4 m=30
